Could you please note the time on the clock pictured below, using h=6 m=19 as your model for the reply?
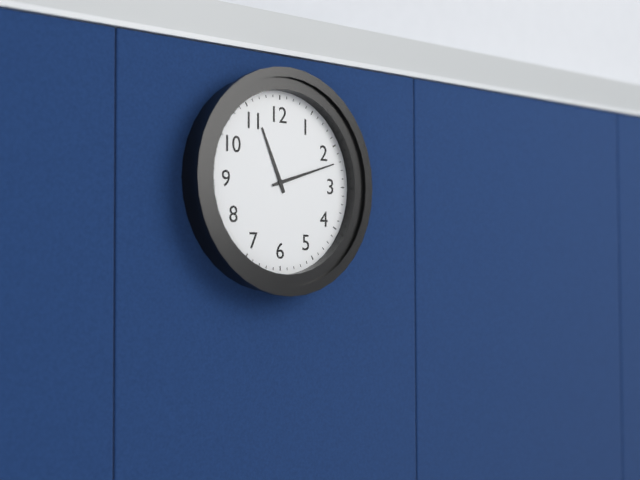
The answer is h=11 m=12
